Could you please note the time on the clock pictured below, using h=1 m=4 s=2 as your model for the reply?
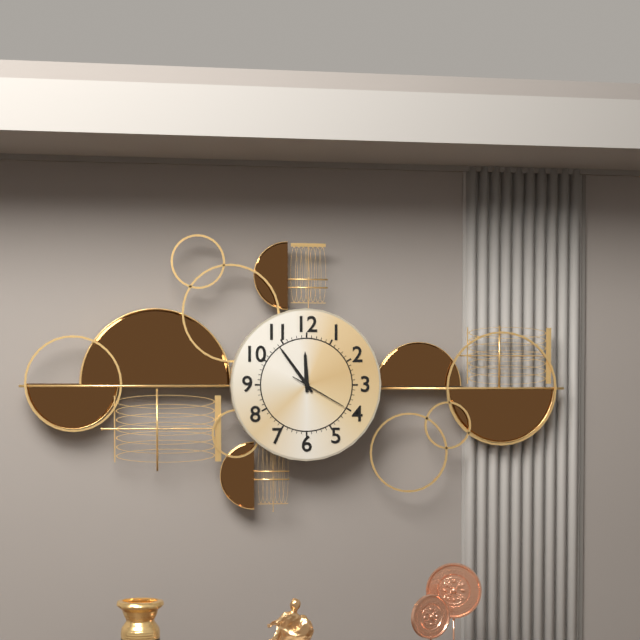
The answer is h=11 m=54 s=20
